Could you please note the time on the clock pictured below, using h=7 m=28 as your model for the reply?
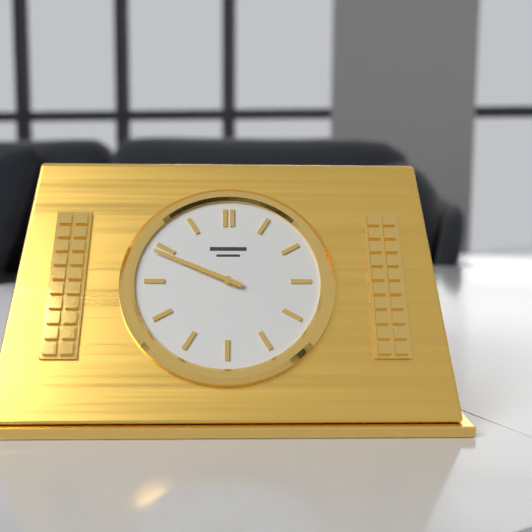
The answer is h=9 m=49
